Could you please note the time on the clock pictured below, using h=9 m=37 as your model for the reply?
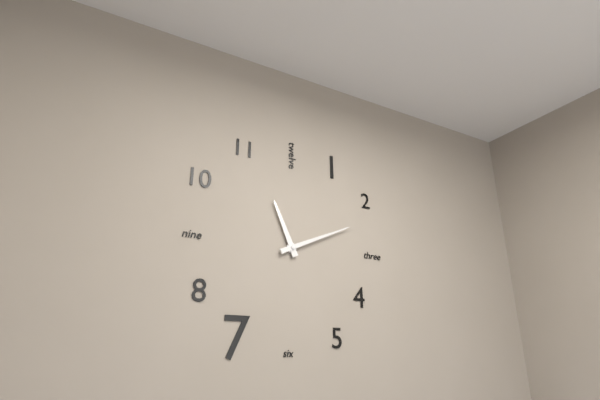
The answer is h=11 m=11
